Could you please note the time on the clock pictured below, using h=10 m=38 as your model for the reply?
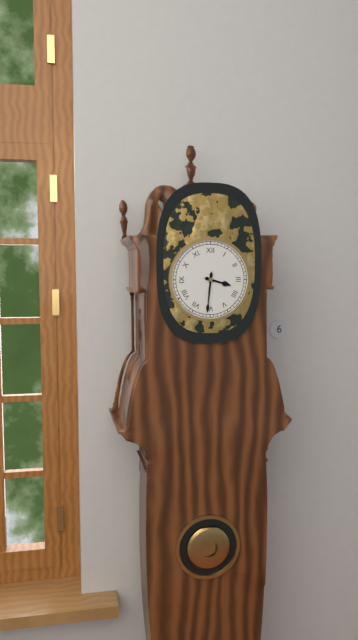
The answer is h=3 m=31
